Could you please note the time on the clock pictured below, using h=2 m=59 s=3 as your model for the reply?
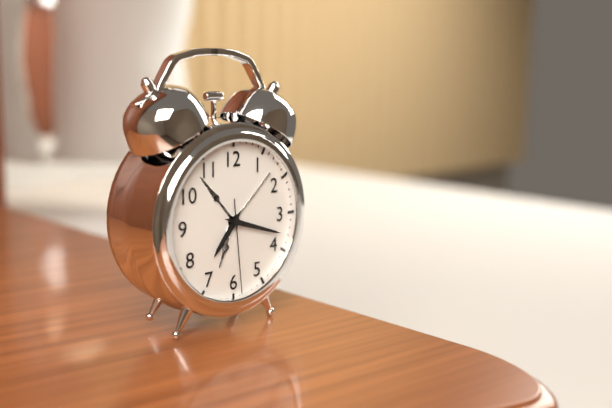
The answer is h=7 m=18 s=29
